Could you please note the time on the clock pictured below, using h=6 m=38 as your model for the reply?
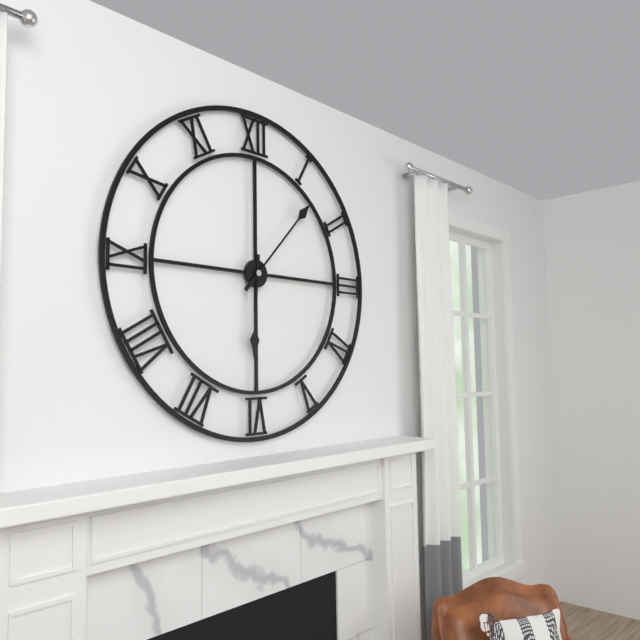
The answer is h=6 m=7
